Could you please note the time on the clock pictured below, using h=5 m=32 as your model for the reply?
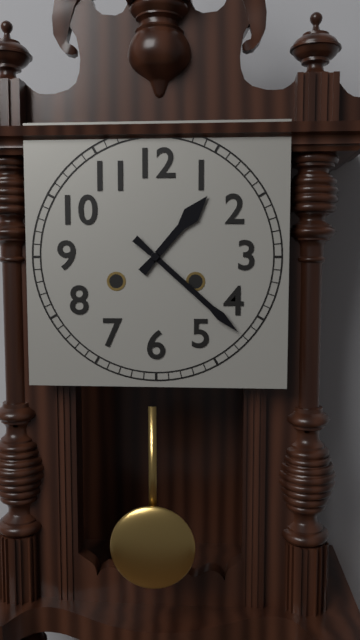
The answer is h=1 m=22
